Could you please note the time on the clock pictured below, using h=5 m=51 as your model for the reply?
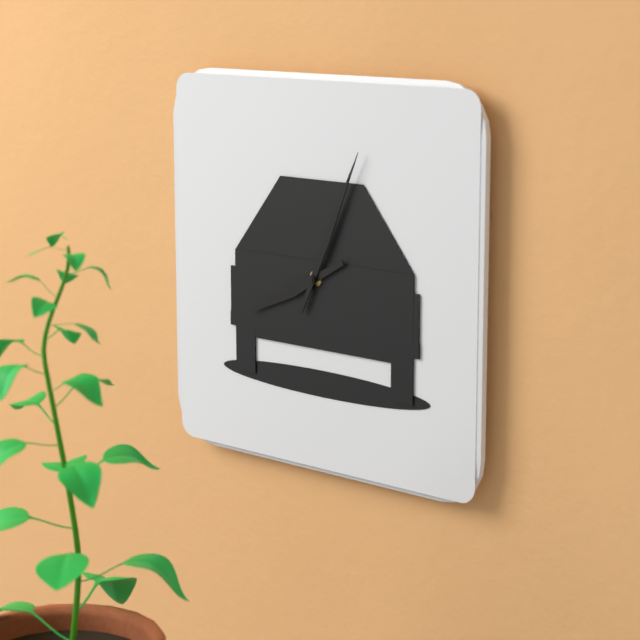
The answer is h=8 m=4
